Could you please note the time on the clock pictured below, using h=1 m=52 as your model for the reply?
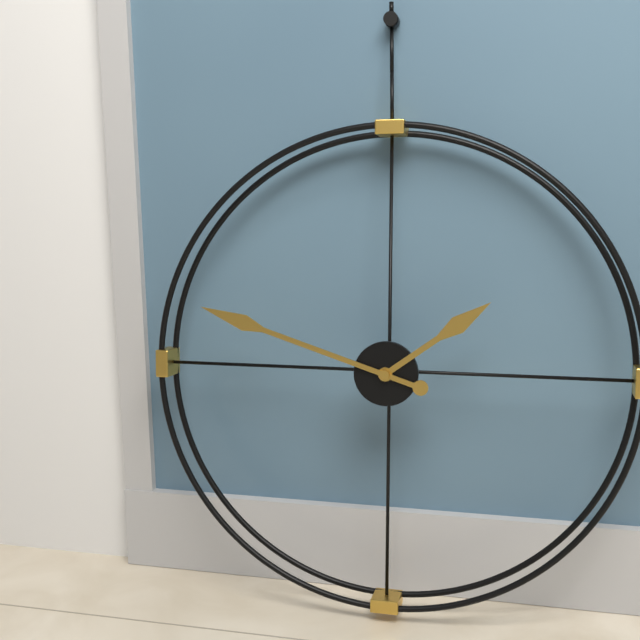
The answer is h=1 m=48
